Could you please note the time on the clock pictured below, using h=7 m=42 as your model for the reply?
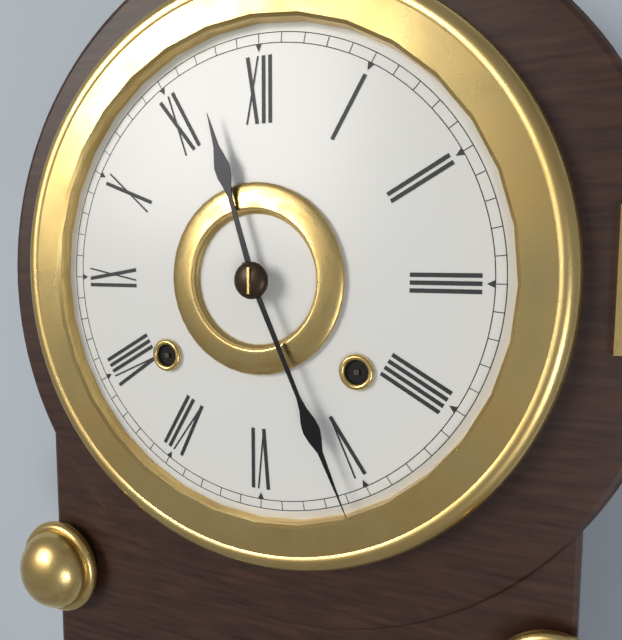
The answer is h=11 m=26
